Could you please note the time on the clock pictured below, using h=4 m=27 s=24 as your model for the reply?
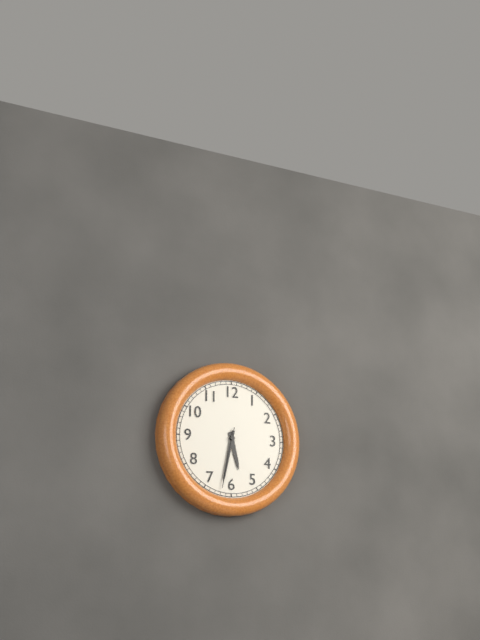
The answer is h=5 m=32 s=32
